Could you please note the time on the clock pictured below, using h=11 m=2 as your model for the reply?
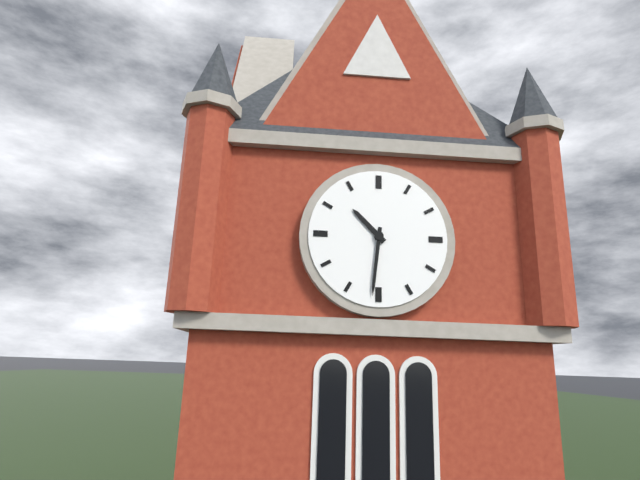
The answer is h=10 m=31
